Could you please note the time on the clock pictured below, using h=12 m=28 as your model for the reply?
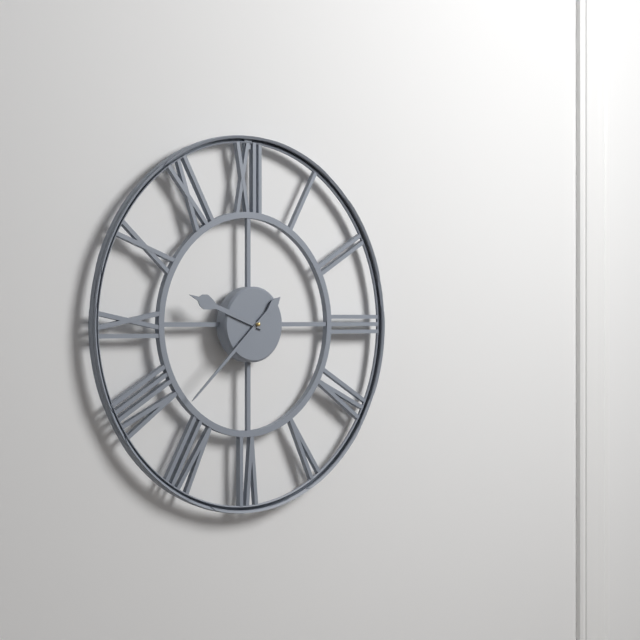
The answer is h=9 m=38
